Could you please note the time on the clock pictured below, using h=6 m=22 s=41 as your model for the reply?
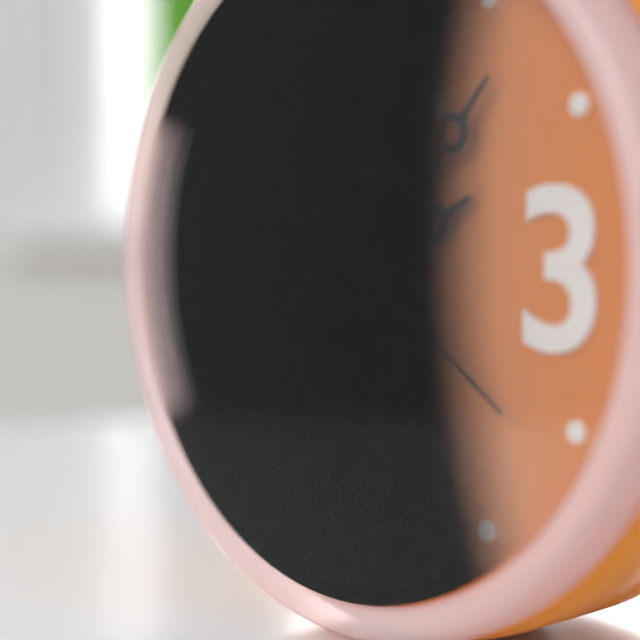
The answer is h=2 m=7 s=21
